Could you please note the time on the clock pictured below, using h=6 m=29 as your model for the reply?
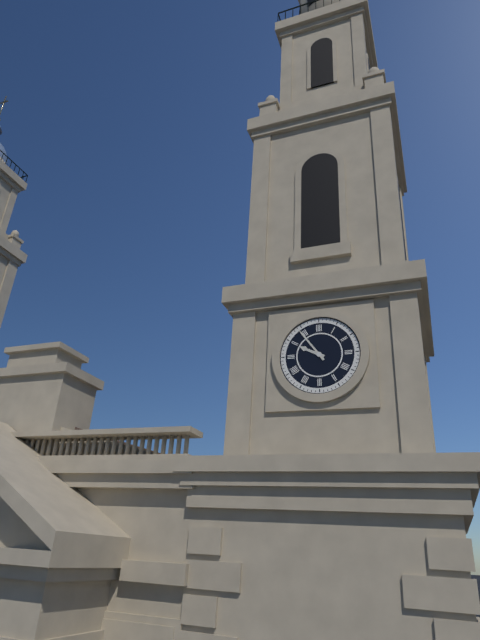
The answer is h=9 m=54
